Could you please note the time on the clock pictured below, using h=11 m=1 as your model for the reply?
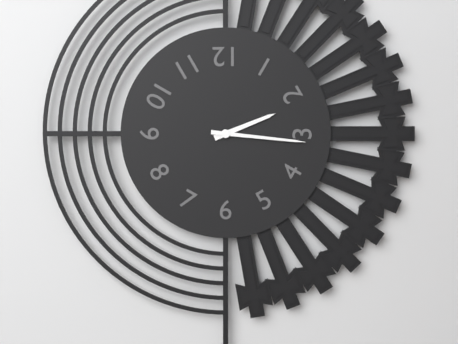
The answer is h=2 m=16
